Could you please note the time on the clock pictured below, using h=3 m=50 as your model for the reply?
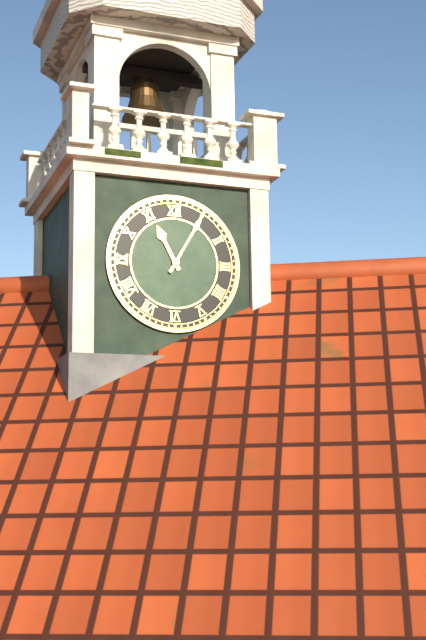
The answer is h=11 m=5
